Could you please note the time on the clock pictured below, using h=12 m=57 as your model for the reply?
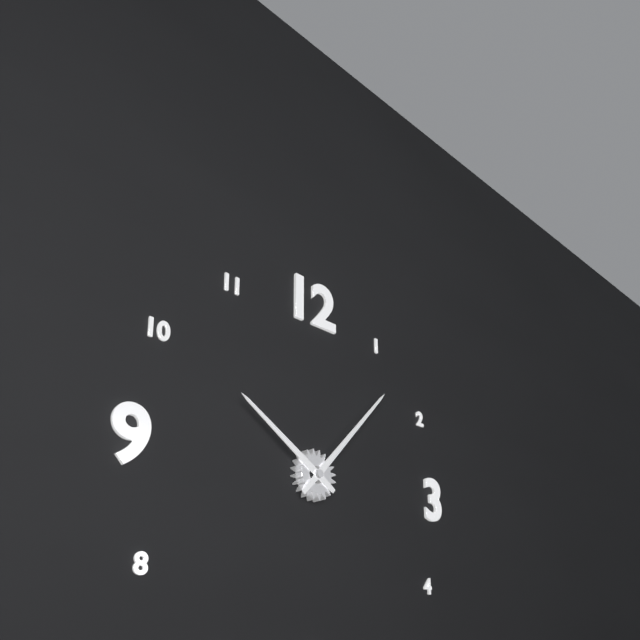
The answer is h=10 m=7
